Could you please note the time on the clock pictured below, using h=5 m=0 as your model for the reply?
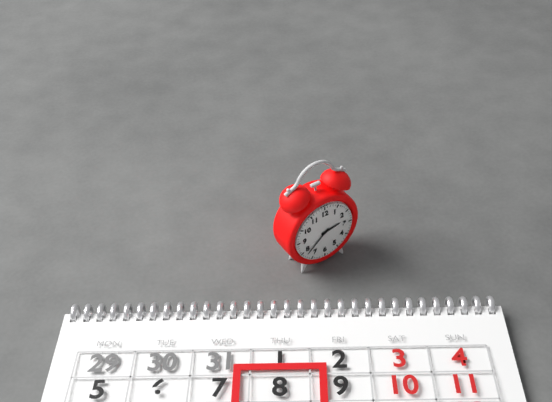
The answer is h=2 m=38
